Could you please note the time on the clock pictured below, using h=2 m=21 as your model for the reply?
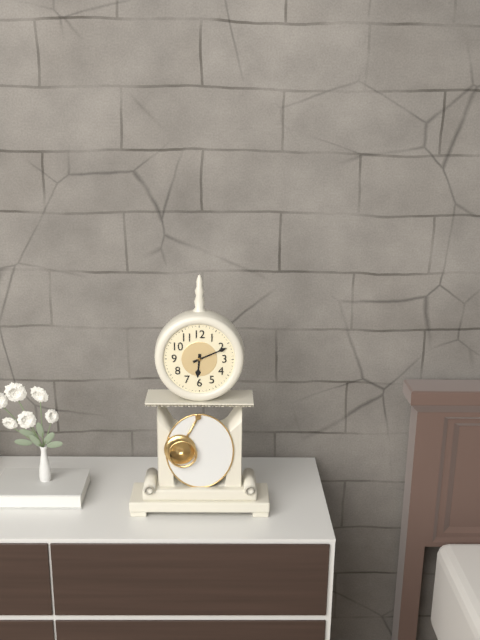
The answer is h=6 m=11
